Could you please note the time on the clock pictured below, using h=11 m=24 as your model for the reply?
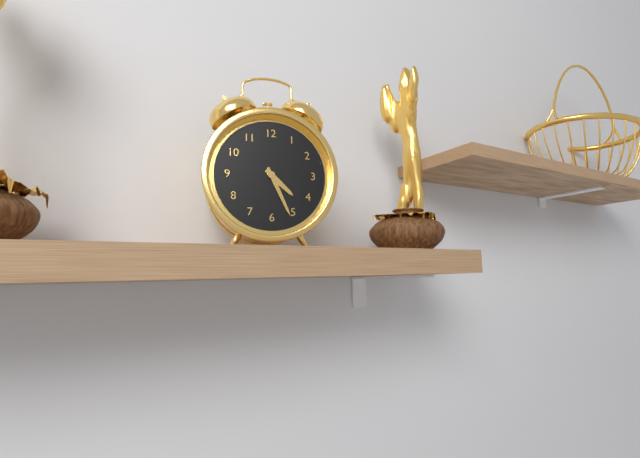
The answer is h=4 m=26
